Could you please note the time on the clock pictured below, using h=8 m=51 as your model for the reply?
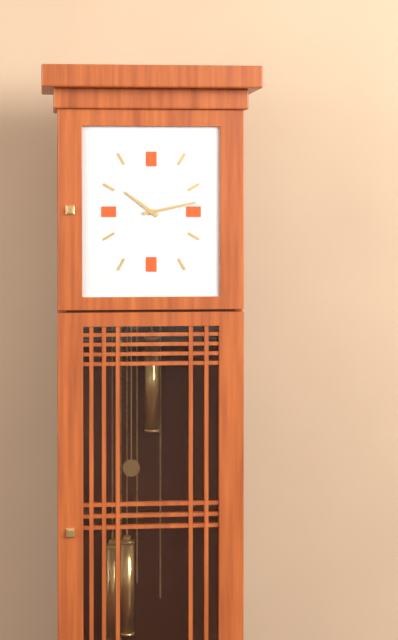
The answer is h=10 m=13
